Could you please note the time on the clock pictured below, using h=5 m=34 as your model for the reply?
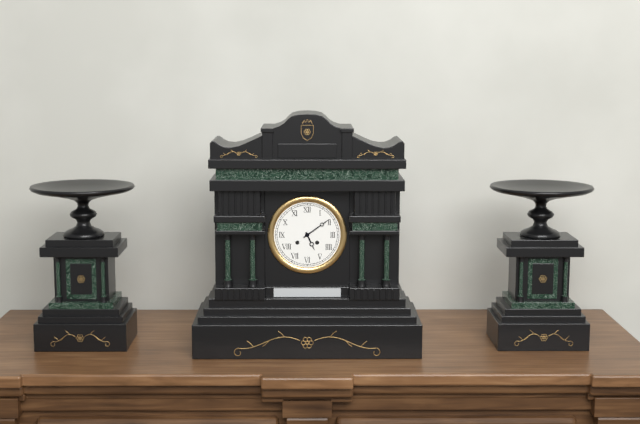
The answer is h=5 m=9
